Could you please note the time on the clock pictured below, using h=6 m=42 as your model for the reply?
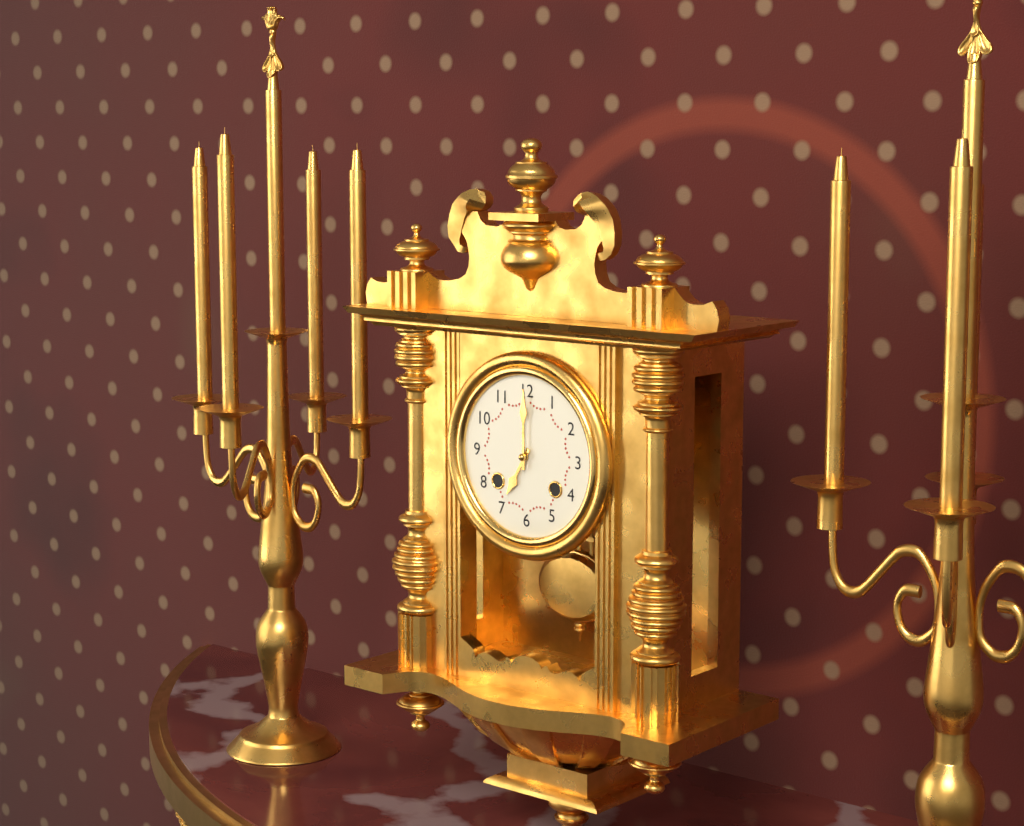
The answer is h=7 m=0
